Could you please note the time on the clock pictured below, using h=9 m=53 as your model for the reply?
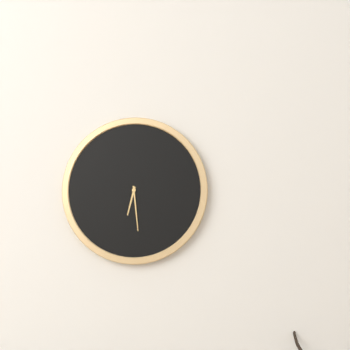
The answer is h=6 m=29
